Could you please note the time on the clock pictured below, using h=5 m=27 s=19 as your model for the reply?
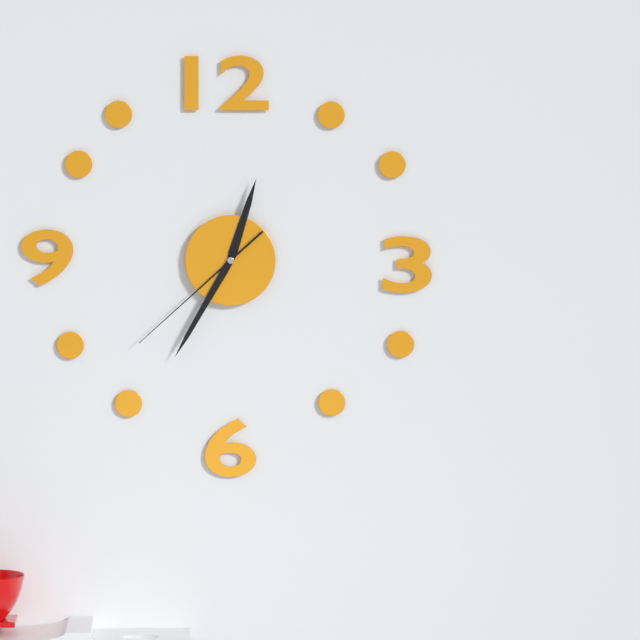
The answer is h=12 m=35 s=38
